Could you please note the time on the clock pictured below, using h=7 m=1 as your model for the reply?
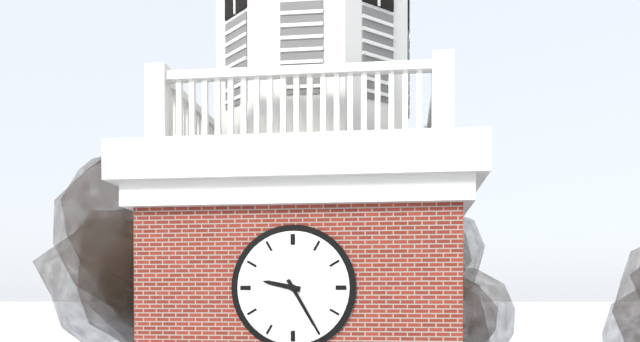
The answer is h=9 m=25
